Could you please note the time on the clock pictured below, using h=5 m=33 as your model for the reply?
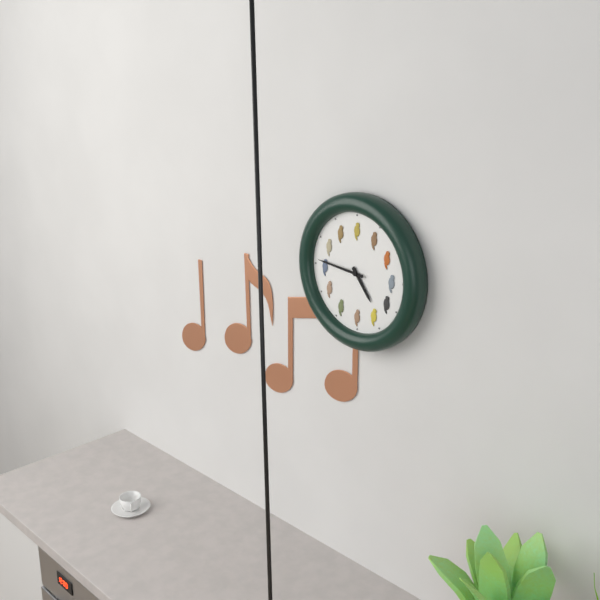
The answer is h=4 m=46
